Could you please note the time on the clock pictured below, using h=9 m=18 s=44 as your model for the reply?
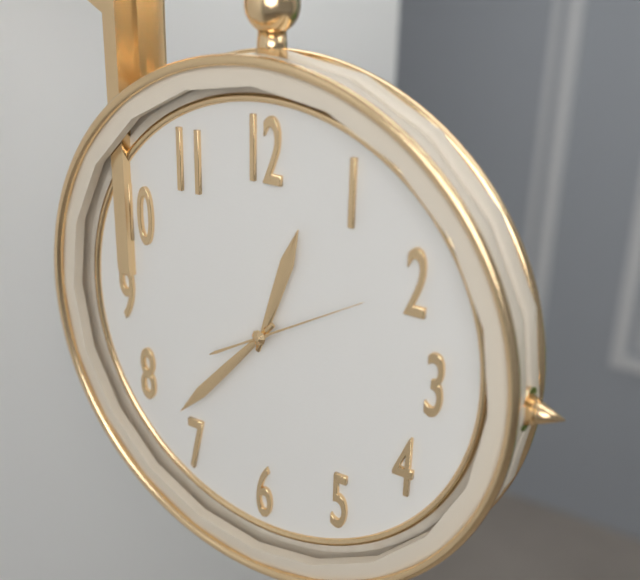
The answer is h=12 m=37 s=10
